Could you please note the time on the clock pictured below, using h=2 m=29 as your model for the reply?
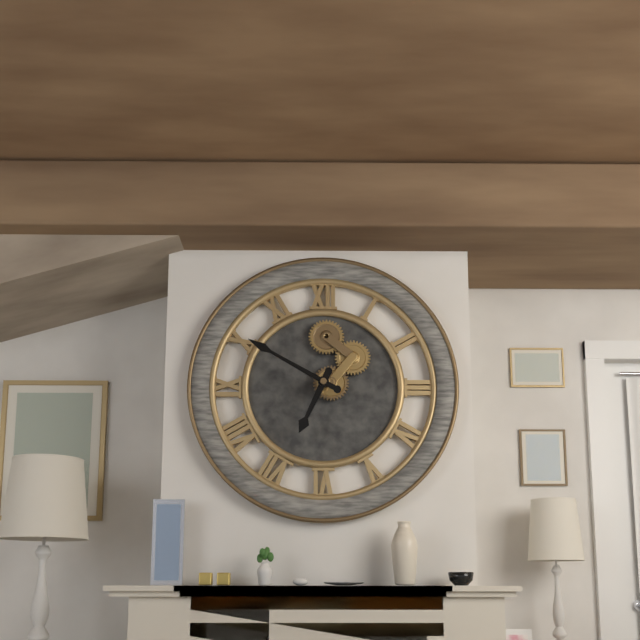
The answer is h=6 m=50
